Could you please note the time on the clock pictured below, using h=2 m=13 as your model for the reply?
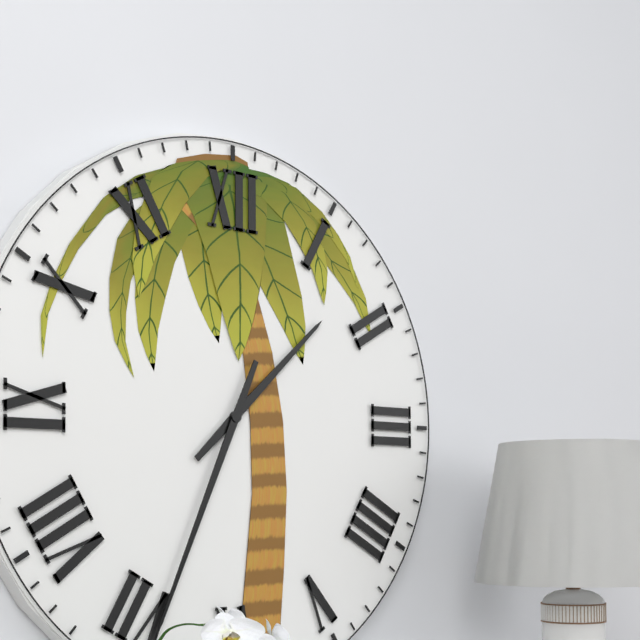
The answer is h=1 m=34
